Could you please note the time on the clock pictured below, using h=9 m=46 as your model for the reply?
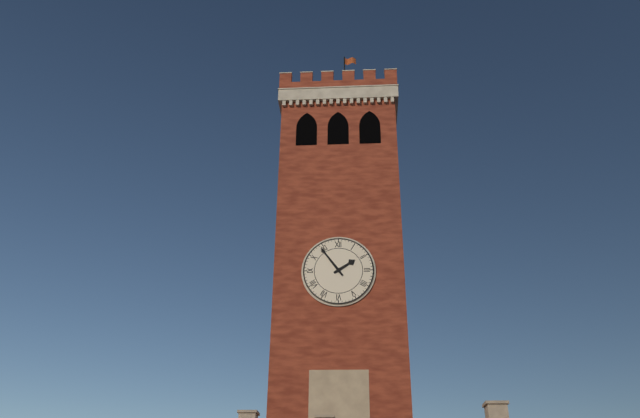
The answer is h=1 m=54
